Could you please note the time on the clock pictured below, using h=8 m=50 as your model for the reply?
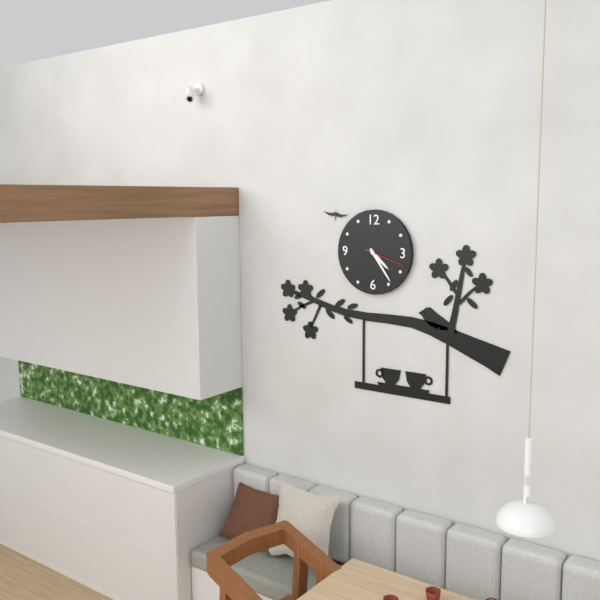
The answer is h=4 m=24
